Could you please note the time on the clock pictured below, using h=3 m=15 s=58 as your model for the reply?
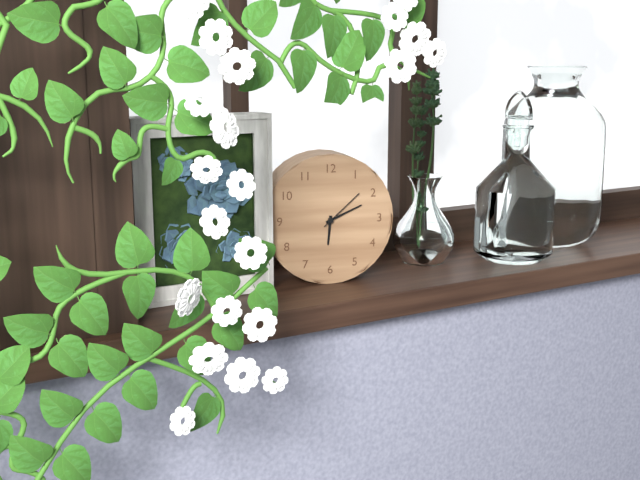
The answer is h=6 m=11 s=8
